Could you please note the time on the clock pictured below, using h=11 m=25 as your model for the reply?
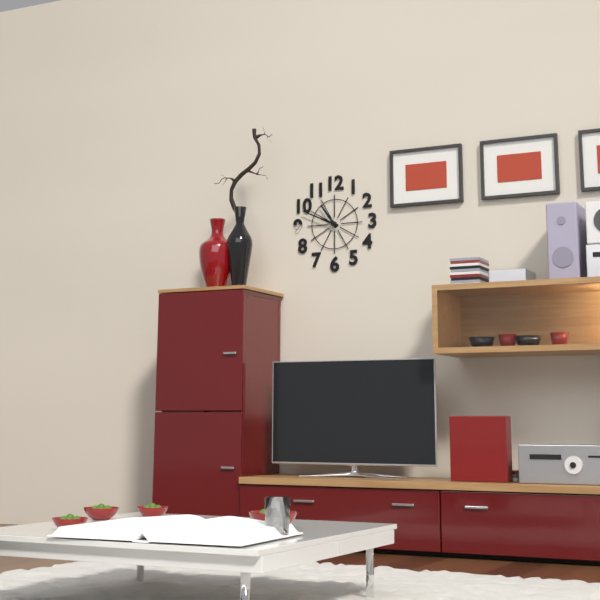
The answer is h=10 m=49
